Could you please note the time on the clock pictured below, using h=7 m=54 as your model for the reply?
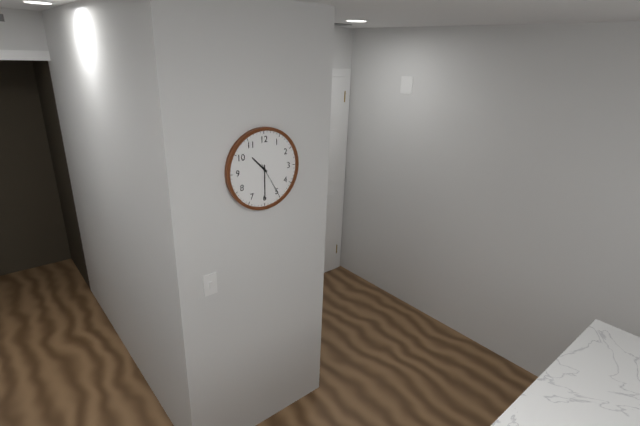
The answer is h=10 m=30
